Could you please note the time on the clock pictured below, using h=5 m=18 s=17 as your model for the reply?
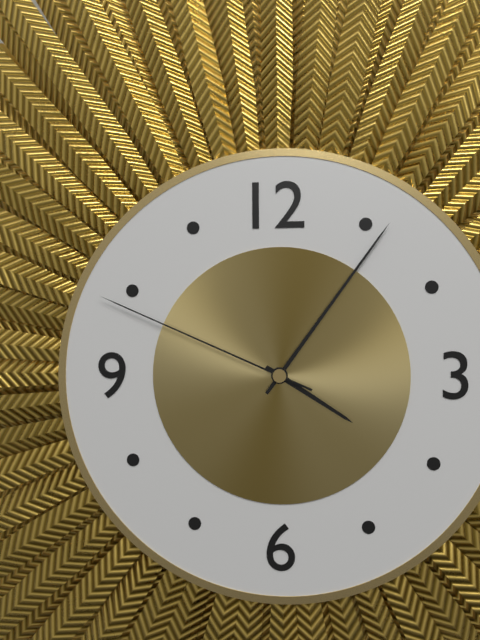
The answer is h=4 m=6 s=49
